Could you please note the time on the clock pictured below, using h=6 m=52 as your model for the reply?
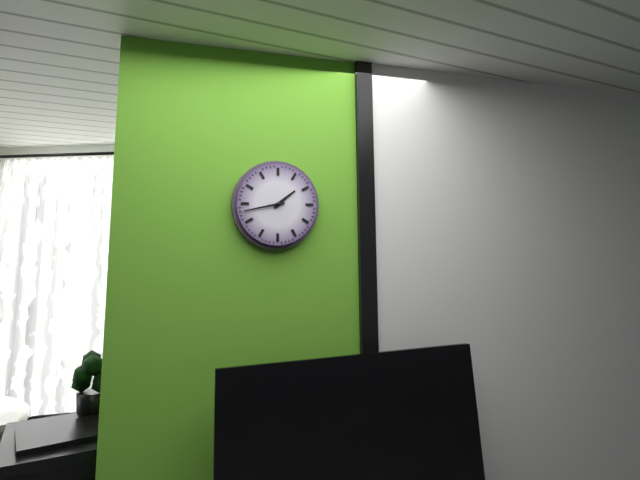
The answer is h=1 m=43
